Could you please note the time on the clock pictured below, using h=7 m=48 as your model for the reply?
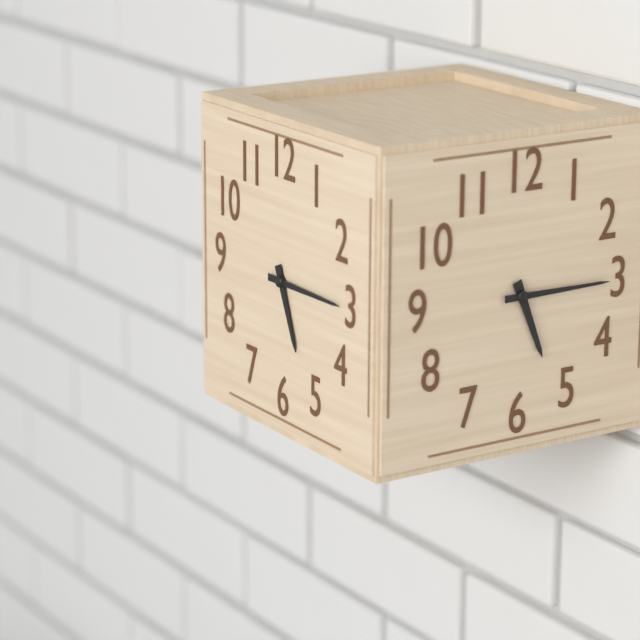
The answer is h=5 m=15
